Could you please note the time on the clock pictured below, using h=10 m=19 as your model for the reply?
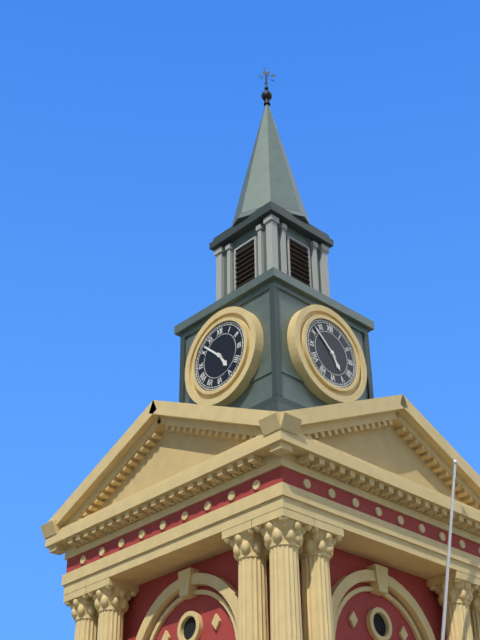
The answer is h=4 m=52
